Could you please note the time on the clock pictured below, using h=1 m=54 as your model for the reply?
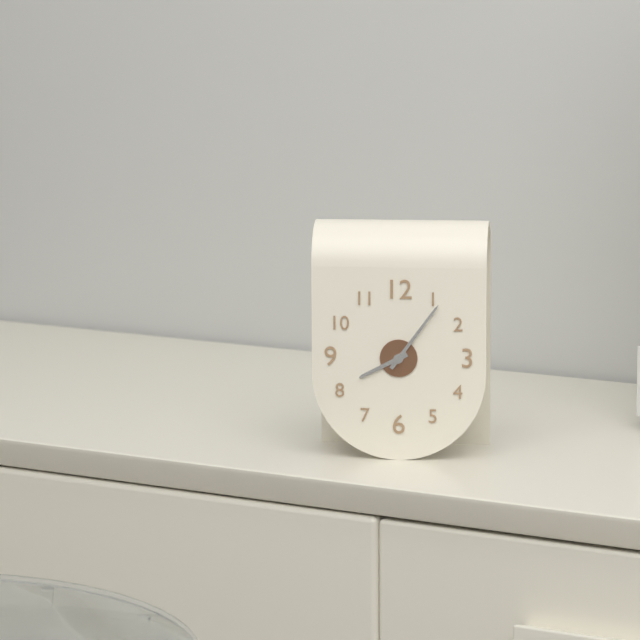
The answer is h=8 m=6
